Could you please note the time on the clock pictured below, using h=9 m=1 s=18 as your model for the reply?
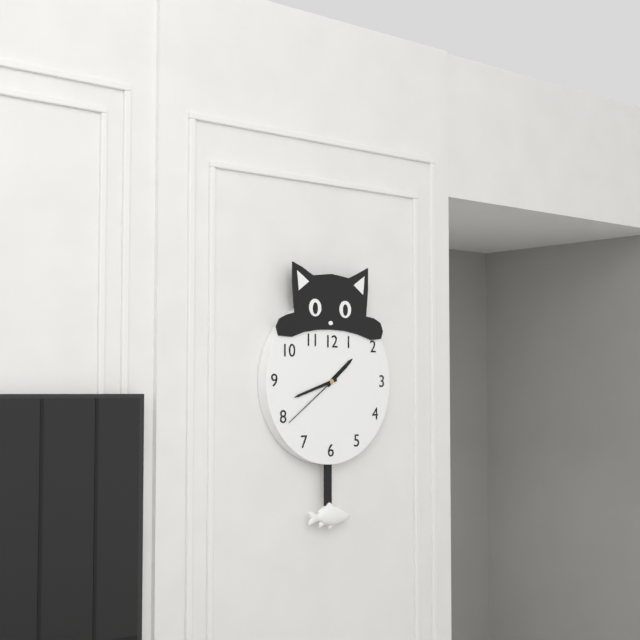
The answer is h=1 m=42 s=39
